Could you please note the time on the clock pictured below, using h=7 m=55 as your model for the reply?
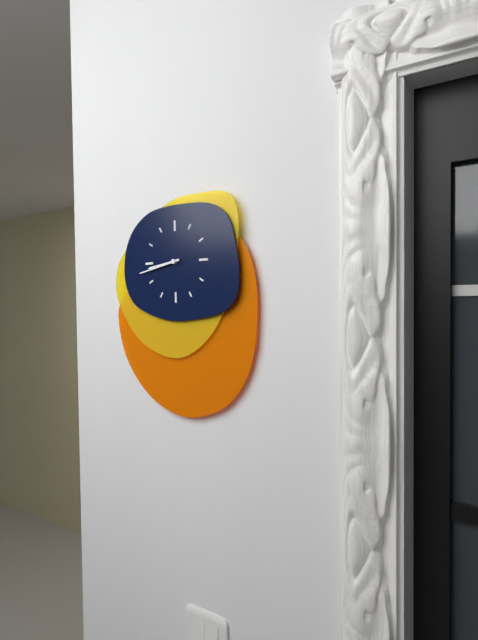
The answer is h=8 m=43
